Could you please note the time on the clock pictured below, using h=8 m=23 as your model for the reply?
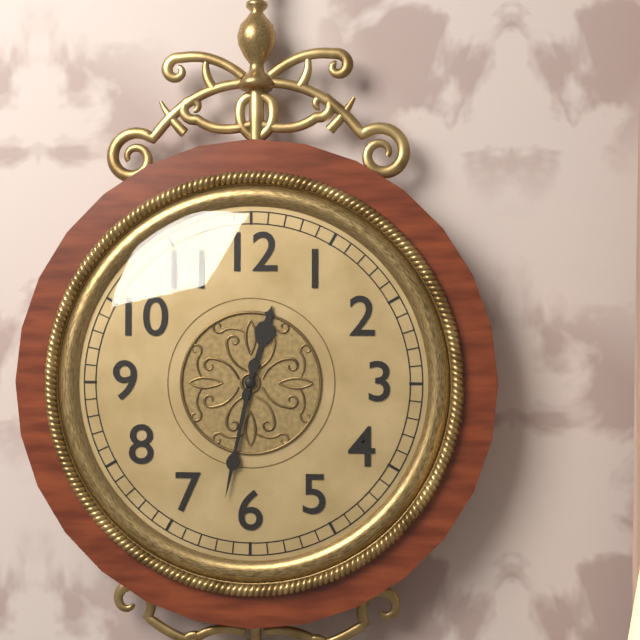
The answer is h=12 m=32
